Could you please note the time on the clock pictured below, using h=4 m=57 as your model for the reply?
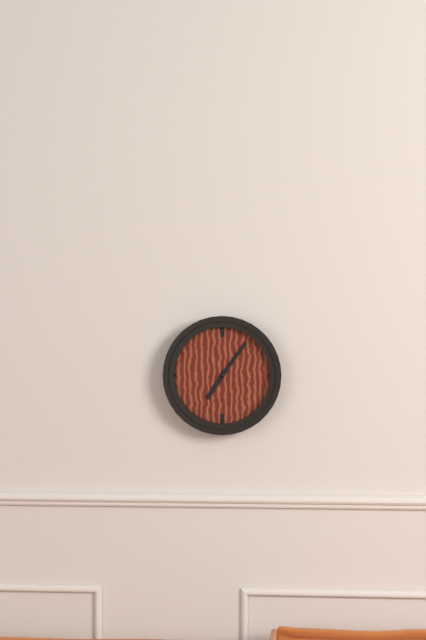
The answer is h=7 m=6
